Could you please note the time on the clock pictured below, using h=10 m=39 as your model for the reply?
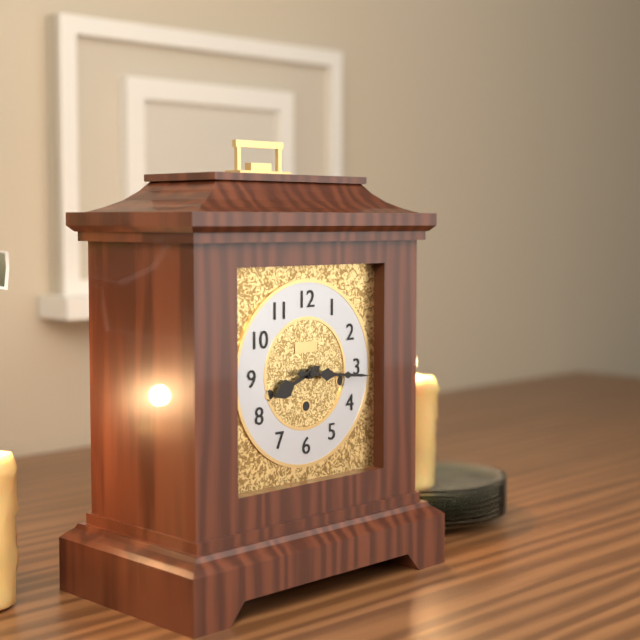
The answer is h=8 m=16
